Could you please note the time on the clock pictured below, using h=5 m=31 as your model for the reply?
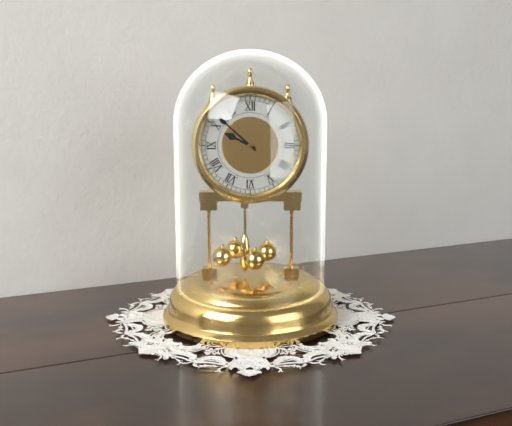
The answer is h=9 m=52
